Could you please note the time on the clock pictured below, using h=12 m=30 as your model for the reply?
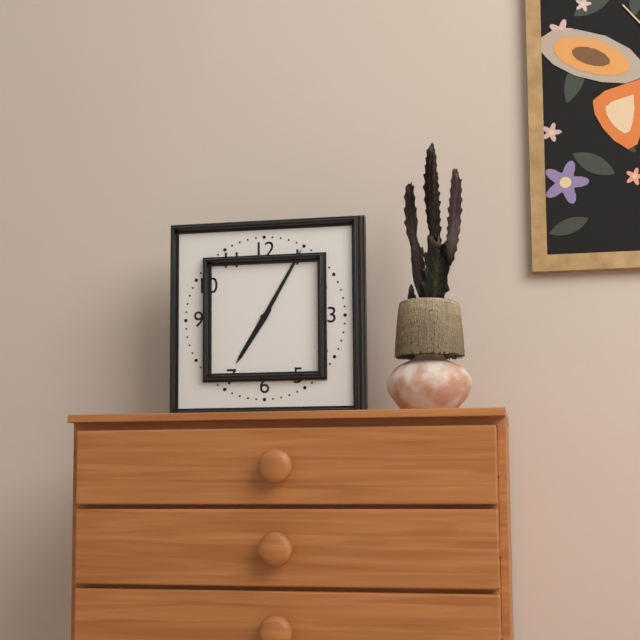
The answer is h=7 m=5
